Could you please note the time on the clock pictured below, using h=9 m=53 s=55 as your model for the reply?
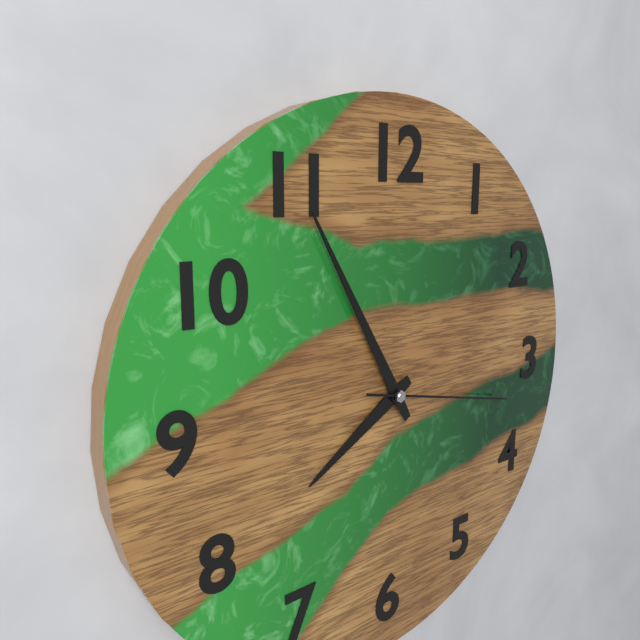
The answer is h=7 m=55 s=17
